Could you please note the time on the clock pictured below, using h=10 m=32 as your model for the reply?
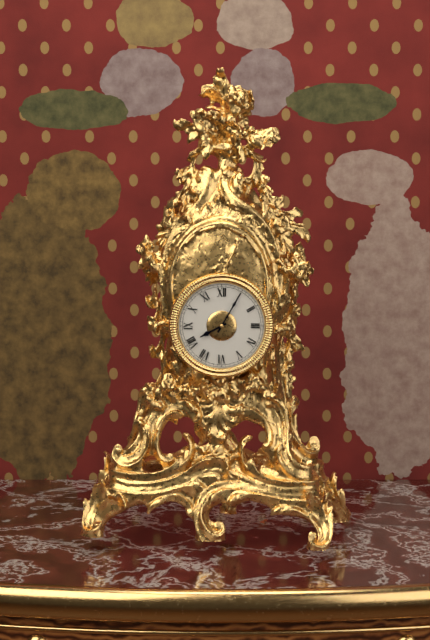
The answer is h=8 m=5
